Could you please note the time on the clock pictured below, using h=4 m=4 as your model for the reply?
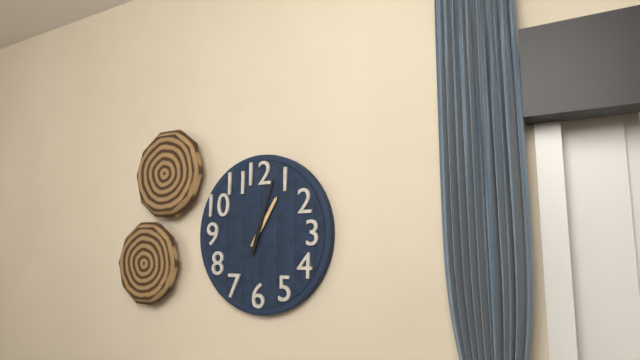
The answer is h=1 m=3
